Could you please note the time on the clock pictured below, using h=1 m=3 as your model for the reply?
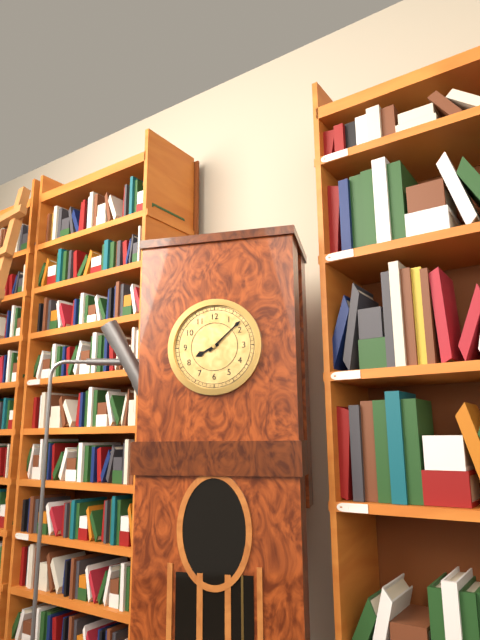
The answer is h=8 m=8
